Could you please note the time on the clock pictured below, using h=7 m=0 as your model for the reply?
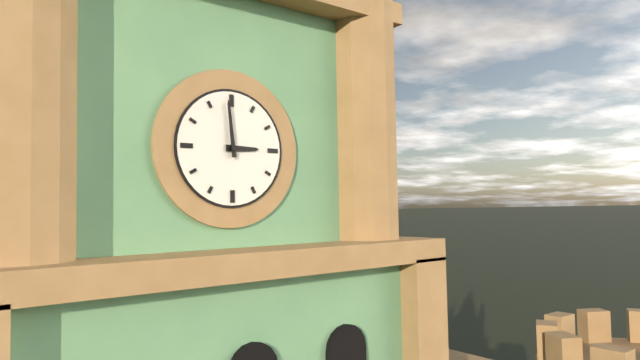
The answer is h=2 m=59
